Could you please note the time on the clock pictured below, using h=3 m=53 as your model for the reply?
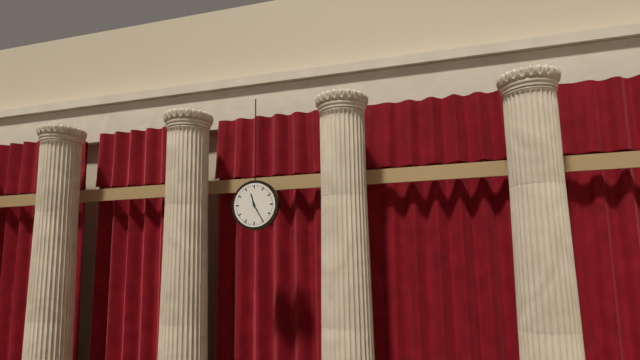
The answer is h=11 m=25
